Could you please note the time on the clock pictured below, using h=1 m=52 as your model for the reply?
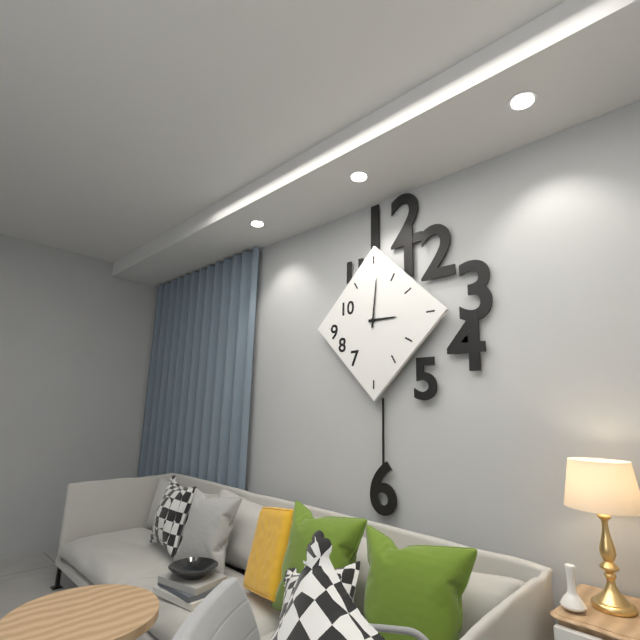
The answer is h=3 m=1
